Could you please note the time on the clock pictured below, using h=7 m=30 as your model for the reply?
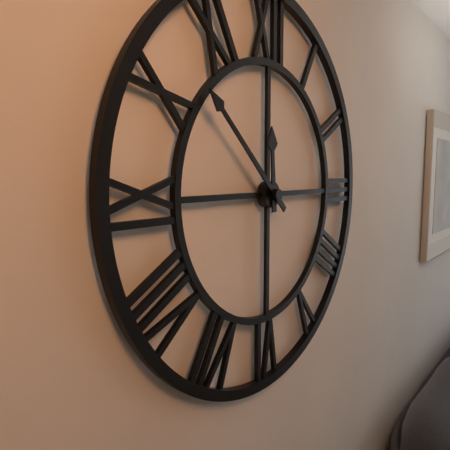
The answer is h=11 m=52
